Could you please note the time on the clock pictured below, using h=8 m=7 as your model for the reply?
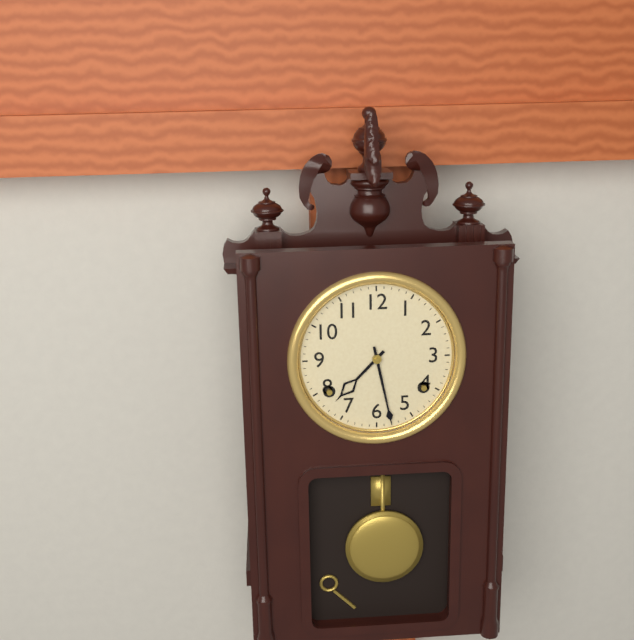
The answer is h=7 m=28
